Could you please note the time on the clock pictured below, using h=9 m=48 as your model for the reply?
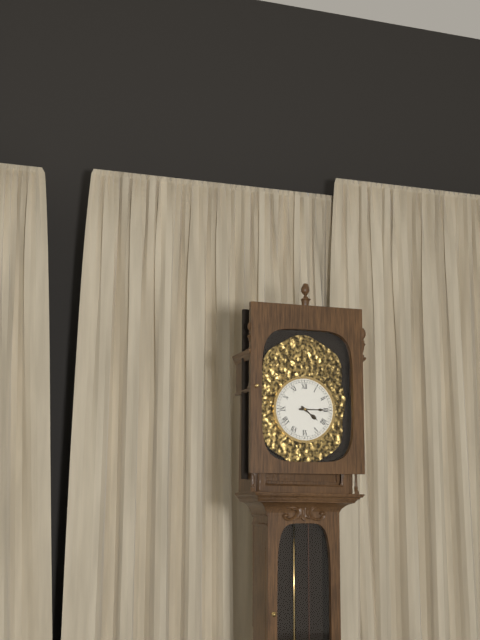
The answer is h=4 m=15
